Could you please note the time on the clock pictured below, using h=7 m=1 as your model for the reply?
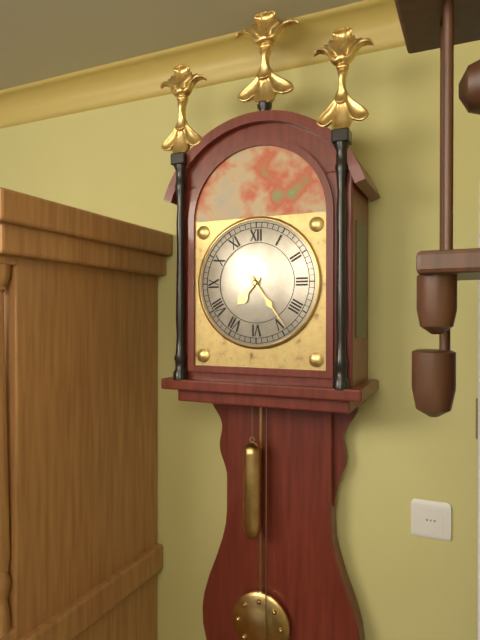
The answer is h=7 m=24
